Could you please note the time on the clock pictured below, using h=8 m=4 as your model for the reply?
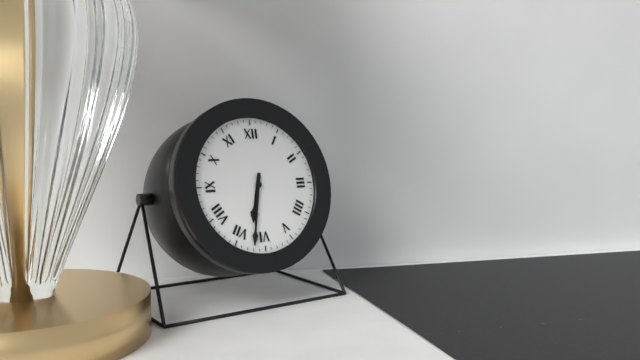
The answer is h=6 m=32
